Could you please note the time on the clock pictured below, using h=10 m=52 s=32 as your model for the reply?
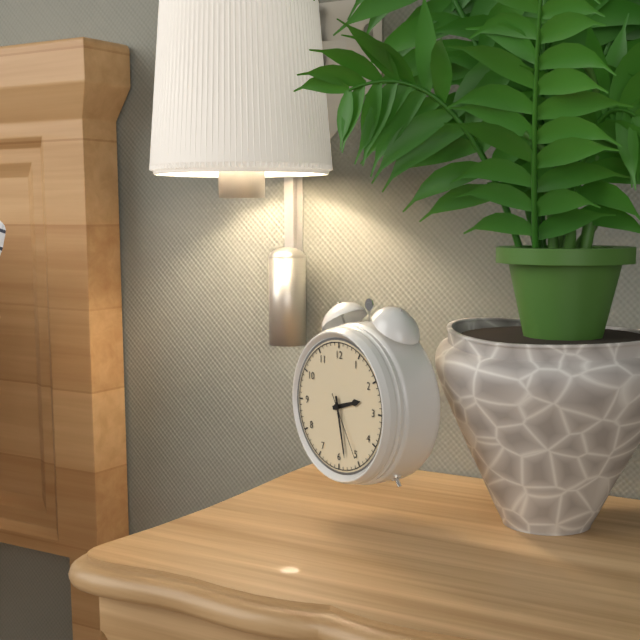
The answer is h=2 m=28 s=25
